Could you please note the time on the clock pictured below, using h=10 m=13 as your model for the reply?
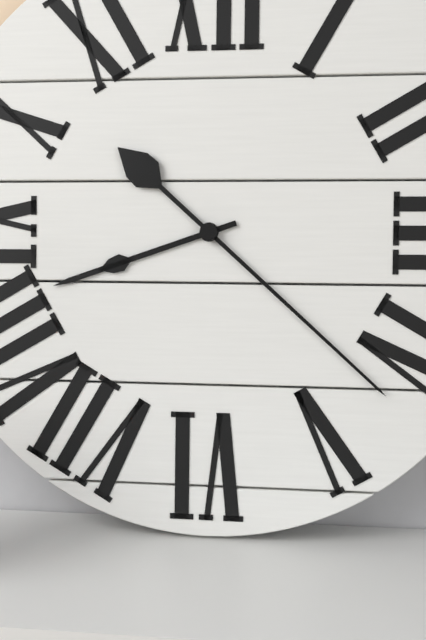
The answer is h=8 m=22
